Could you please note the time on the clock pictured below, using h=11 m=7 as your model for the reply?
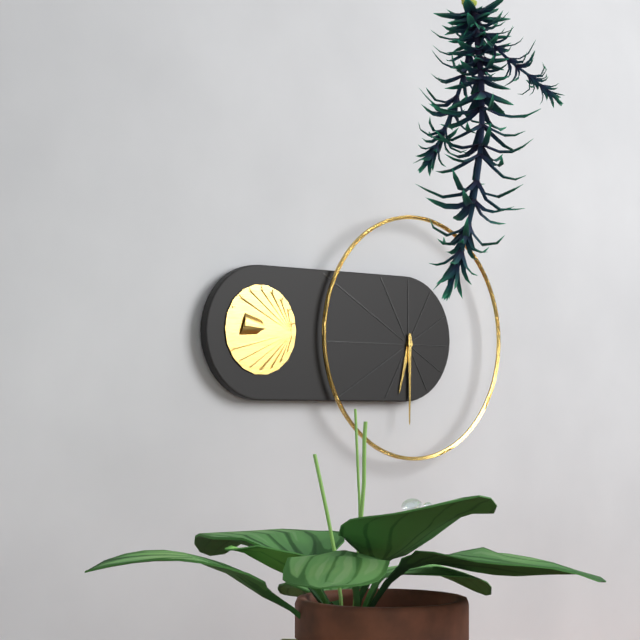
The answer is h=6 m=30
